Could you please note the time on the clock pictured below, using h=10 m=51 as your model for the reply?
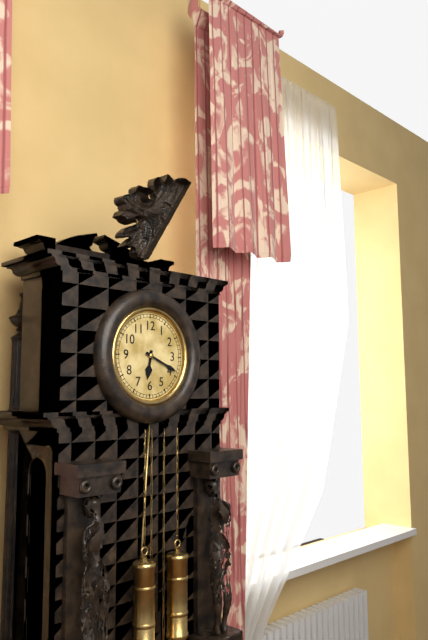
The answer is h=6 m=19
